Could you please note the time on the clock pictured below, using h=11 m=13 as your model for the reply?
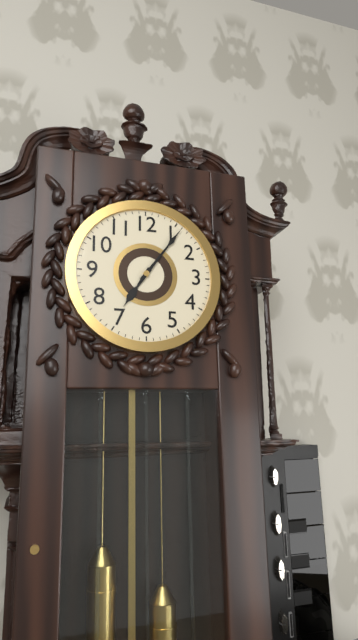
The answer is h=7 m=6
